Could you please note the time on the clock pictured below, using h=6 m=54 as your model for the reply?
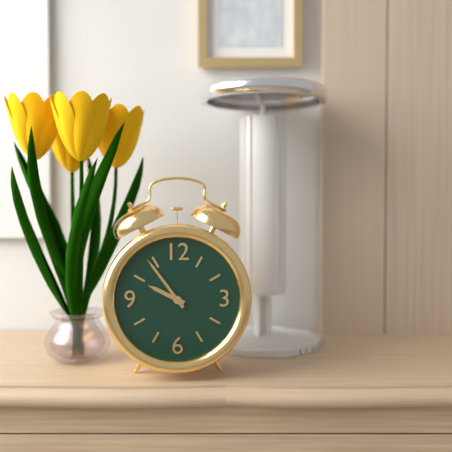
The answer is h=9 m=54
